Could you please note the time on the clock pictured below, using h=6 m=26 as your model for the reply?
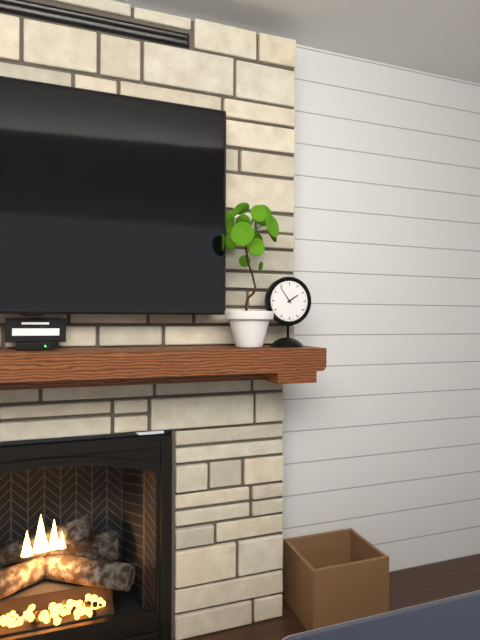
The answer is h=1 m=54
